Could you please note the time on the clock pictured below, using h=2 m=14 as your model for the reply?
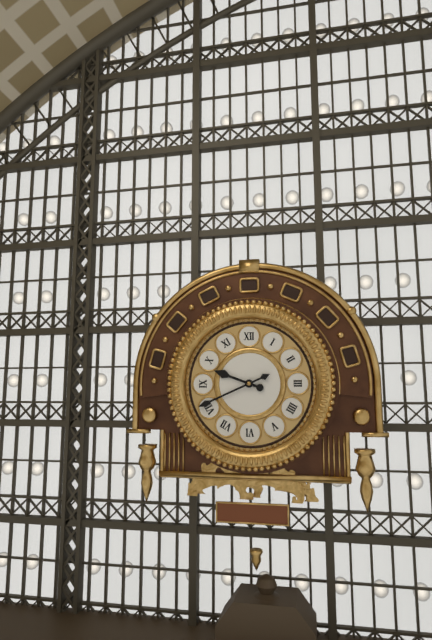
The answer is h=9 m=41
